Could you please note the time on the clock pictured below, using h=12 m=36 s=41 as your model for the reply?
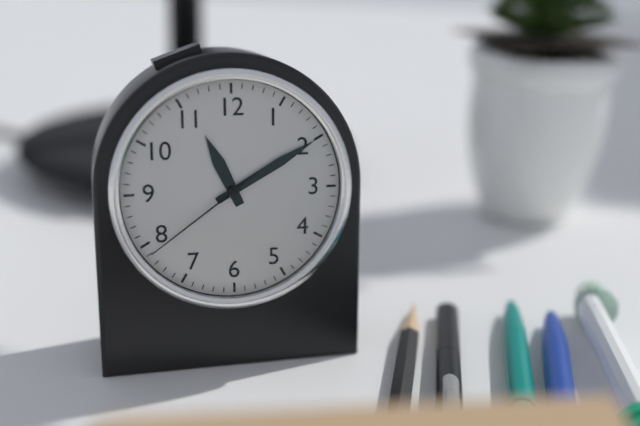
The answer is h=11 m=10 s=39
